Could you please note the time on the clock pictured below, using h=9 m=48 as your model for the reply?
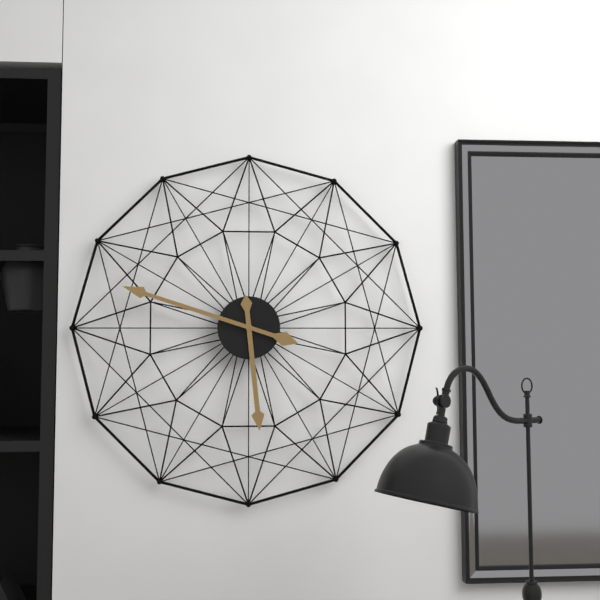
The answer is h=5 m=48
